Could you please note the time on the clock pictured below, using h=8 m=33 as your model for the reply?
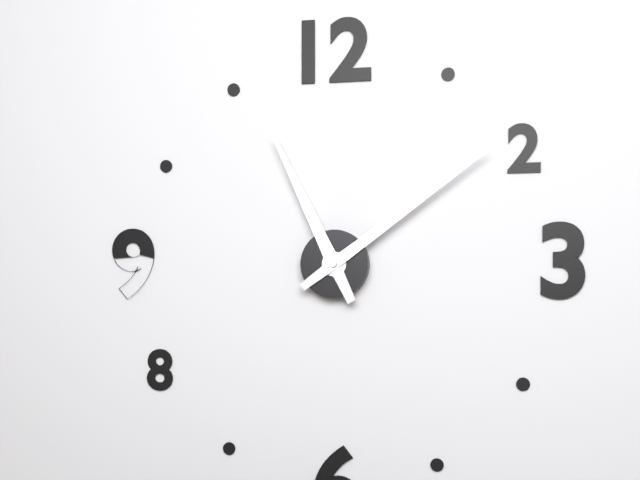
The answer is h=11 m=9
